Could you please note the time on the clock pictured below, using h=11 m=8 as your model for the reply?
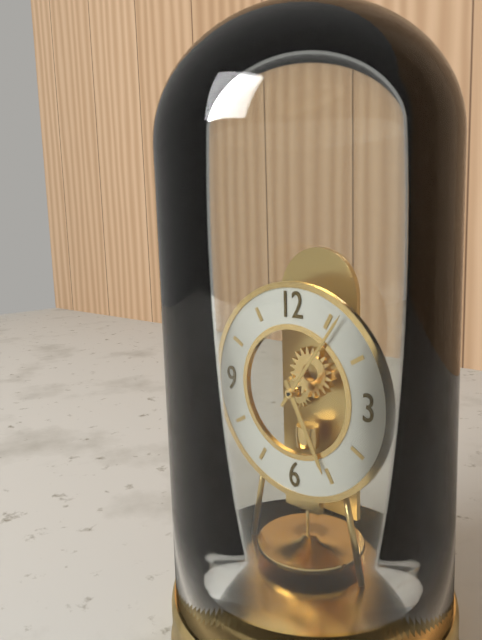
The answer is h=5 m=6
